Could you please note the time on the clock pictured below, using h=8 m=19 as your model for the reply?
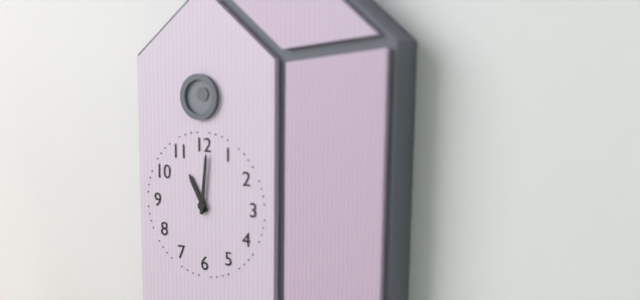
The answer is h=11 m=1
